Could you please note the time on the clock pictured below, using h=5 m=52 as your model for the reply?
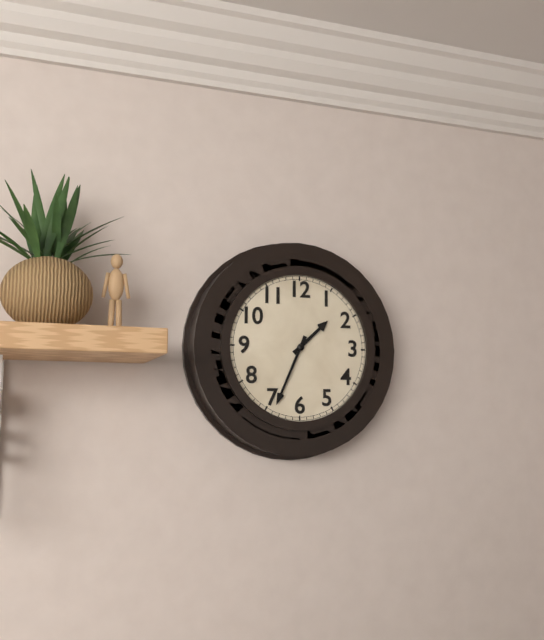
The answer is h=1 m=34
